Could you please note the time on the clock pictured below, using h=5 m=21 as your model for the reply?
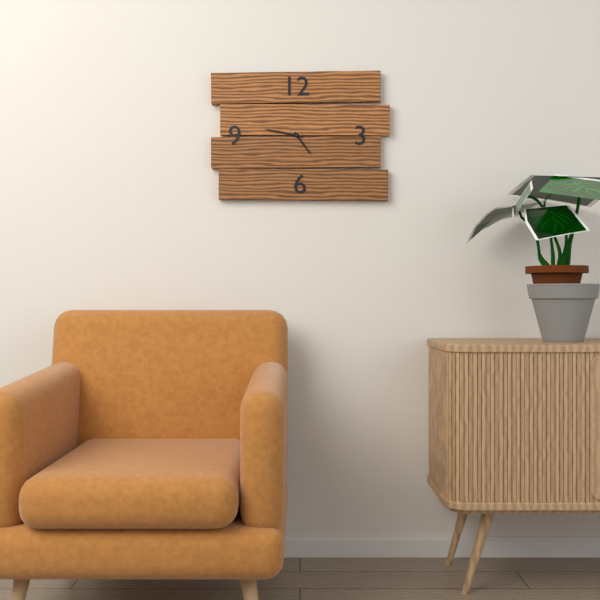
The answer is h=4 m=47
